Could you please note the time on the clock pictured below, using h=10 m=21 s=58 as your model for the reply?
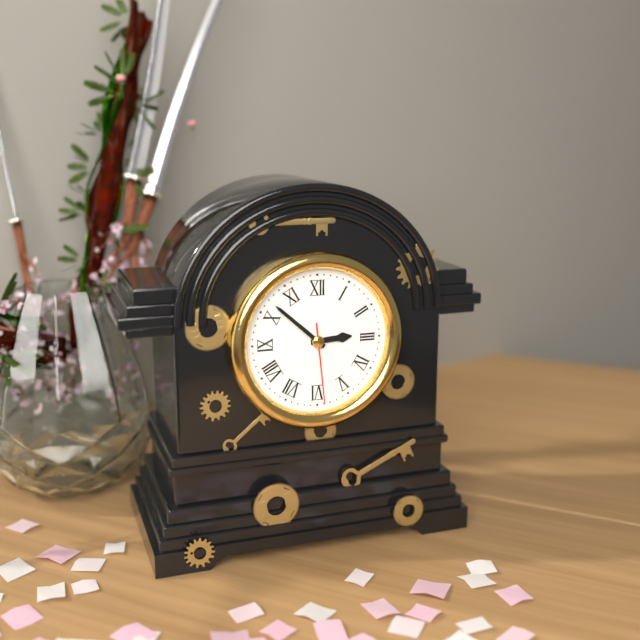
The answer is h=2 m=52 s=29
